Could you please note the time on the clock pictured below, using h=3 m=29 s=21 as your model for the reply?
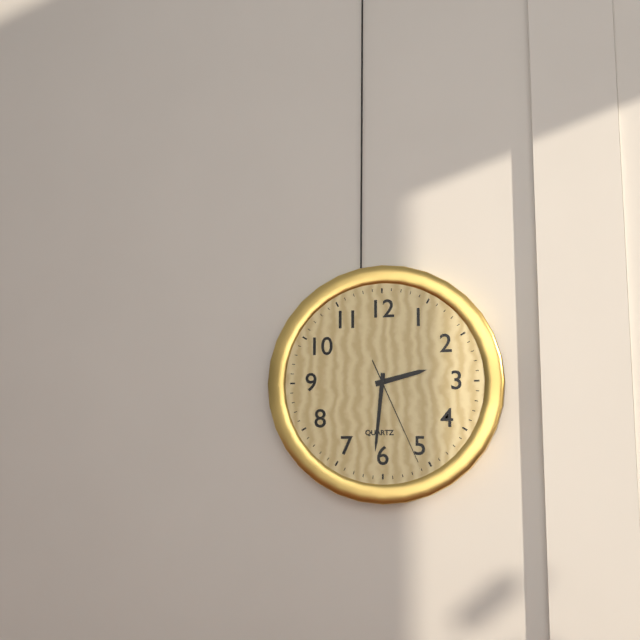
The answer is h=2 m=31 s=26
